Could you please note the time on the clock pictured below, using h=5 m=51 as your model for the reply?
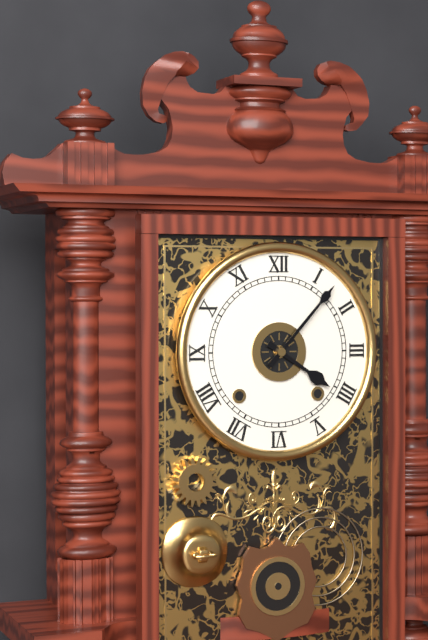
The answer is h=4 m=7
